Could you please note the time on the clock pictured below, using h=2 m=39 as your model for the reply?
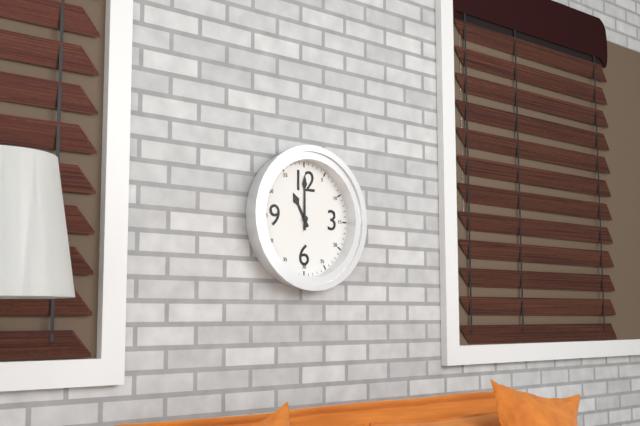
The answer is h=11 m=0
